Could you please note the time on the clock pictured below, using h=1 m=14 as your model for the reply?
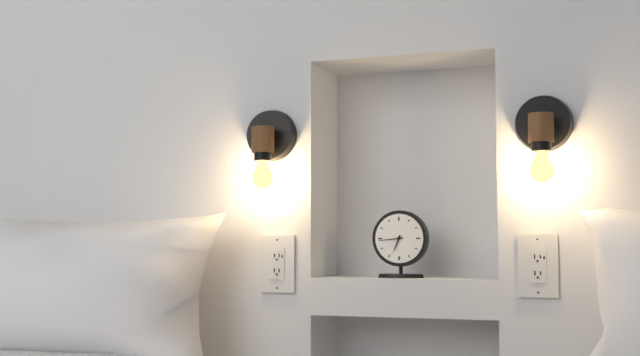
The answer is h=6 m=44
